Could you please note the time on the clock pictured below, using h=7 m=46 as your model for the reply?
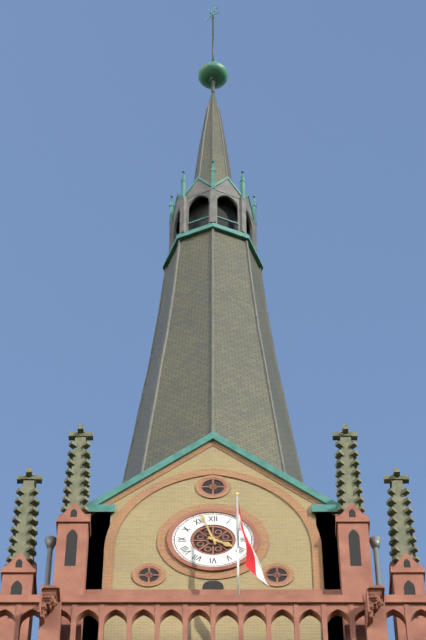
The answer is h=3 m=57
